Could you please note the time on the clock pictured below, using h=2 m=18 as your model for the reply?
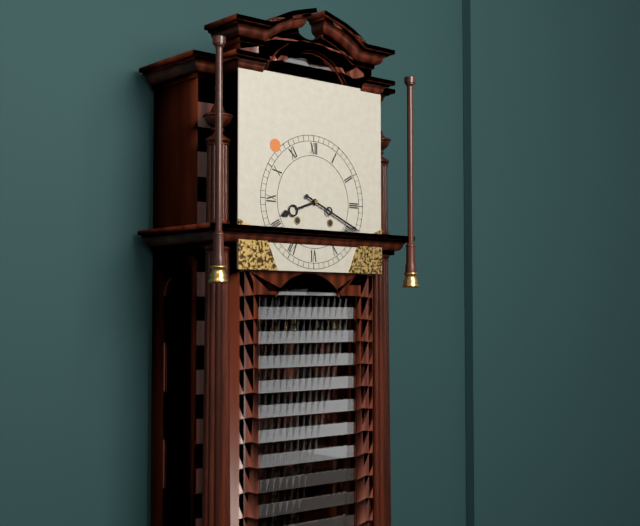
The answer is h=8 m=19
